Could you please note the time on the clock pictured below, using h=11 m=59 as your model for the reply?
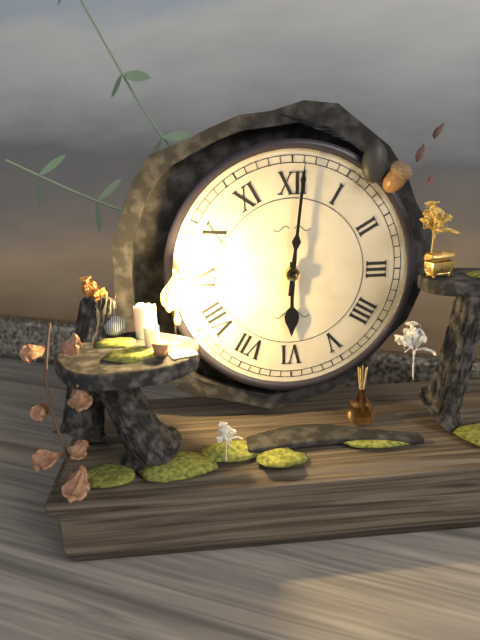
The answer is h=6 m=1
